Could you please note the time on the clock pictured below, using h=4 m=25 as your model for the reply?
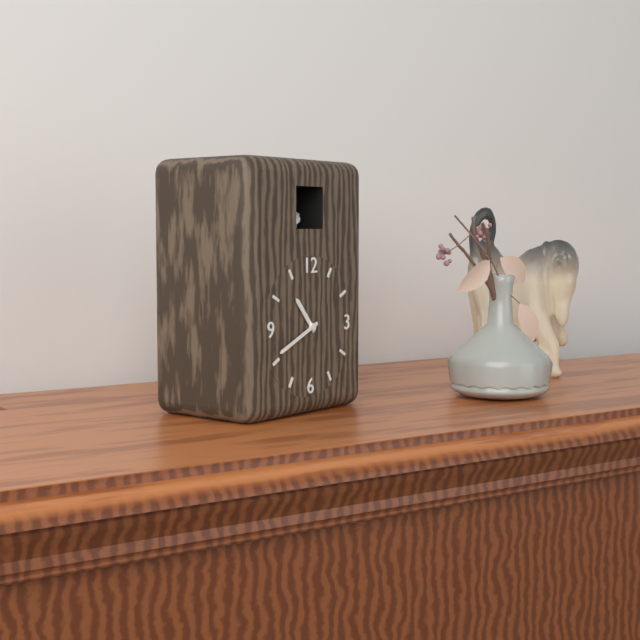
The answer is h=10 m=41
